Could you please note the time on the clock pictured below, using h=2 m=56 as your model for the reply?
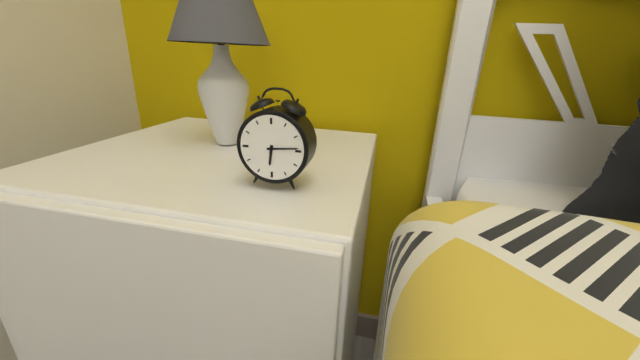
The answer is h=6 m=14
